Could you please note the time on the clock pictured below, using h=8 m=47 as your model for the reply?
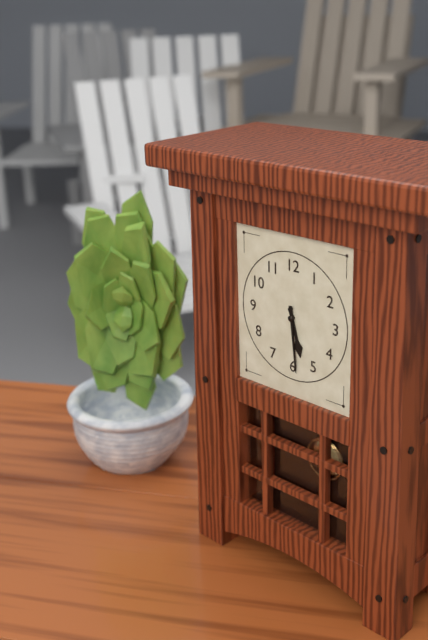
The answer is h=5 m=29
